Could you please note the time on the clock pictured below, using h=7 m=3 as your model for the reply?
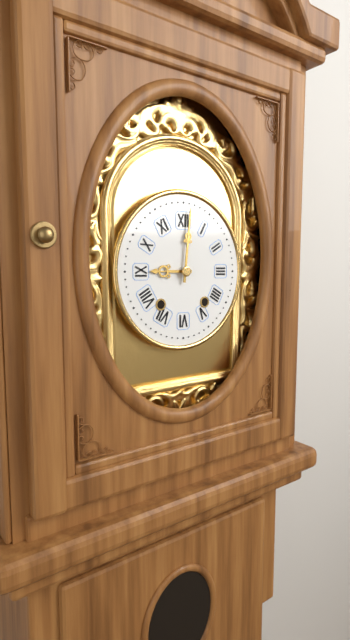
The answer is h=9 m=1
